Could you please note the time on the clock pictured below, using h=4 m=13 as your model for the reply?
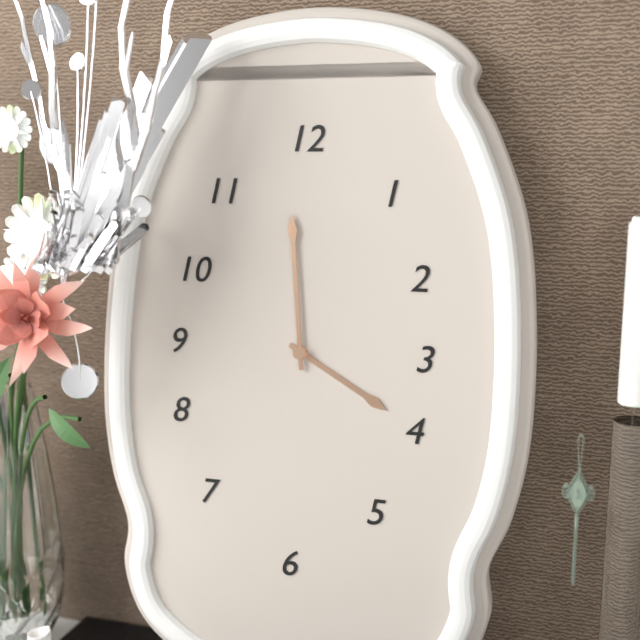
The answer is h=3 m=59
